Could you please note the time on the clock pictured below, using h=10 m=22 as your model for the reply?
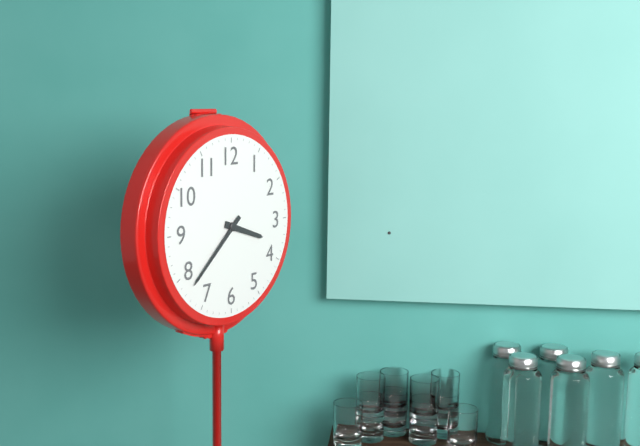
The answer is h=3 m=38
